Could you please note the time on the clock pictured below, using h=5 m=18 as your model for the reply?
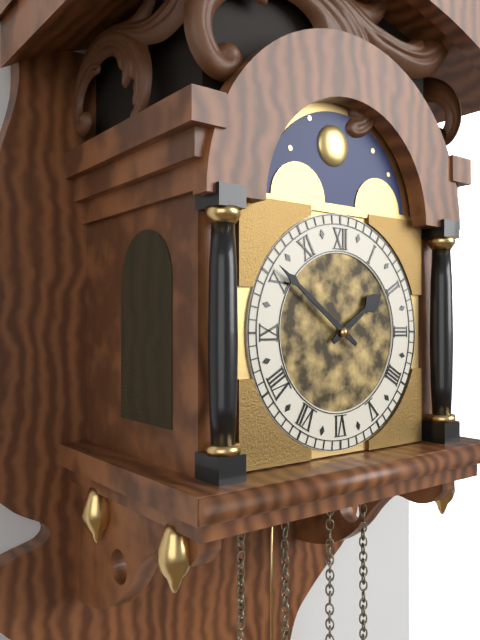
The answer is h=1 m=51
